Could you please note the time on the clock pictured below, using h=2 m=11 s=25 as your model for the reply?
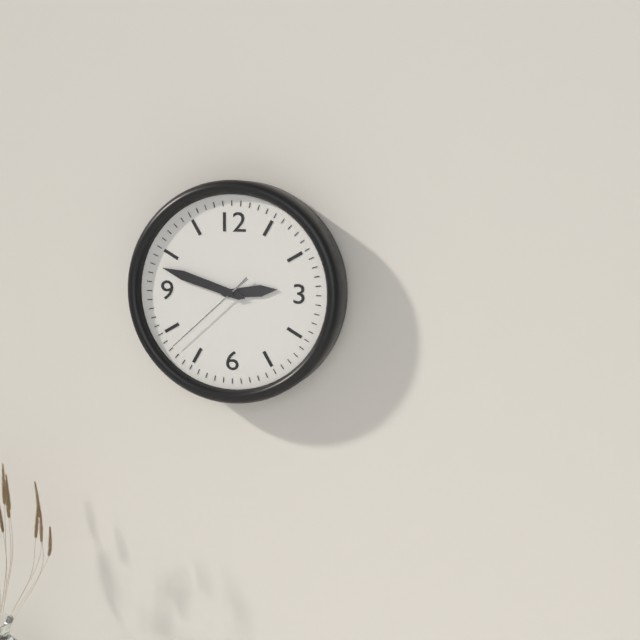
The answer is h=2 m=48 s=38
